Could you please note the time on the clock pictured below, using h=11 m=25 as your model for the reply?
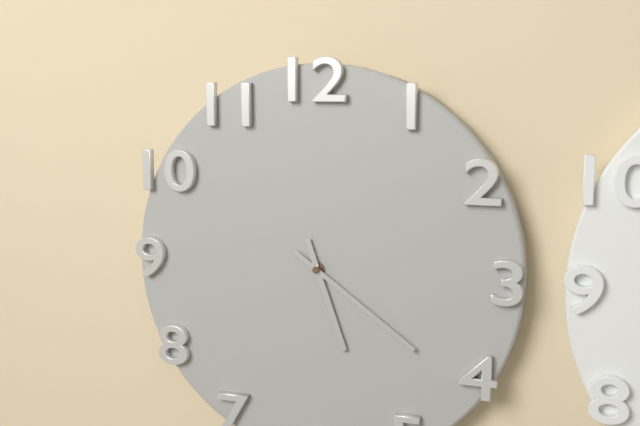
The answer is h=5 m=21
